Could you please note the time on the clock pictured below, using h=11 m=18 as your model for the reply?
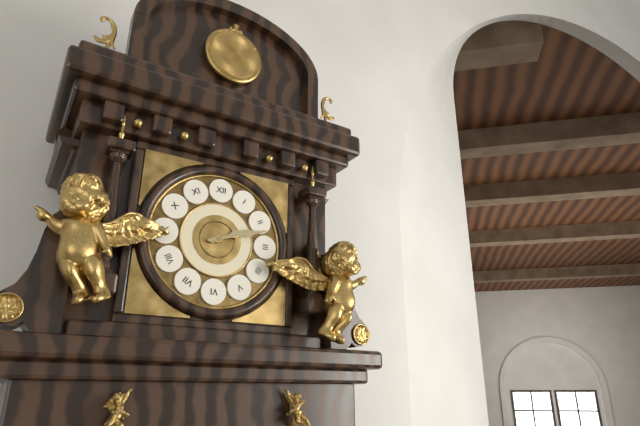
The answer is h=2 m=12
